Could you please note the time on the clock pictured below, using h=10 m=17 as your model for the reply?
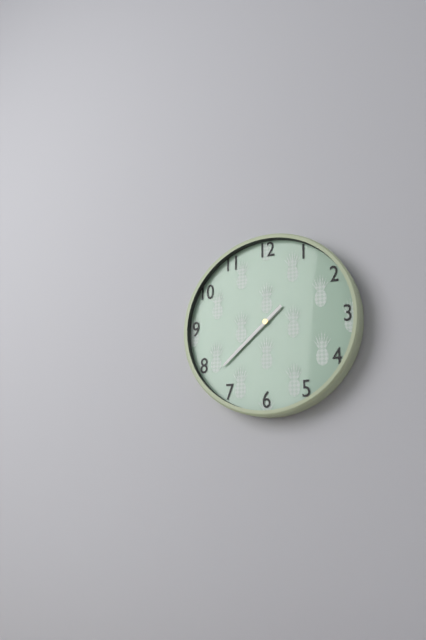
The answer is h=7 m=38
